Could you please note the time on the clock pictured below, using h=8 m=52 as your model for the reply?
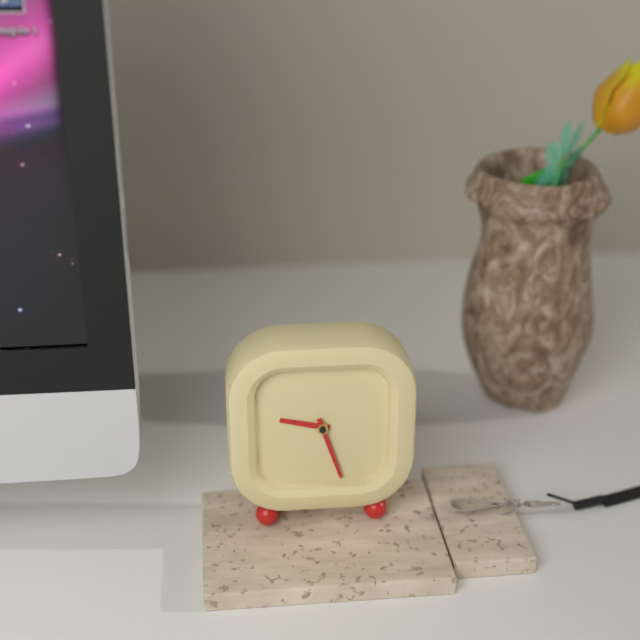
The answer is h=9 m=27
